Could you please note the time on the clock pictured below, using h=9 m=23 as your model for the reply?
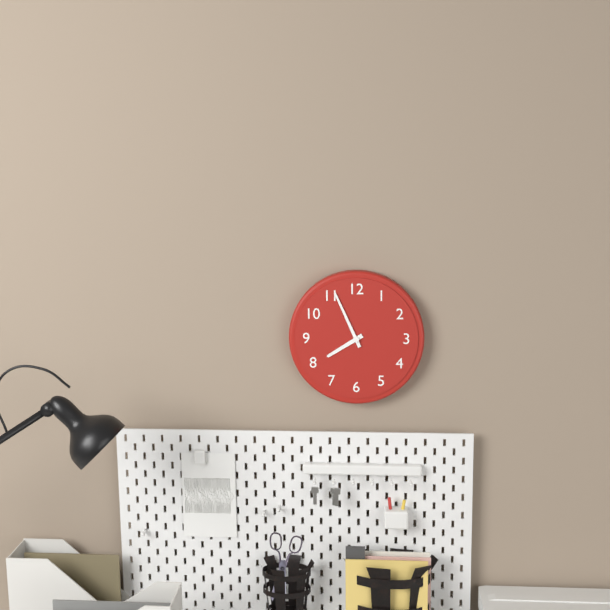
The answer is h=7 m=56
